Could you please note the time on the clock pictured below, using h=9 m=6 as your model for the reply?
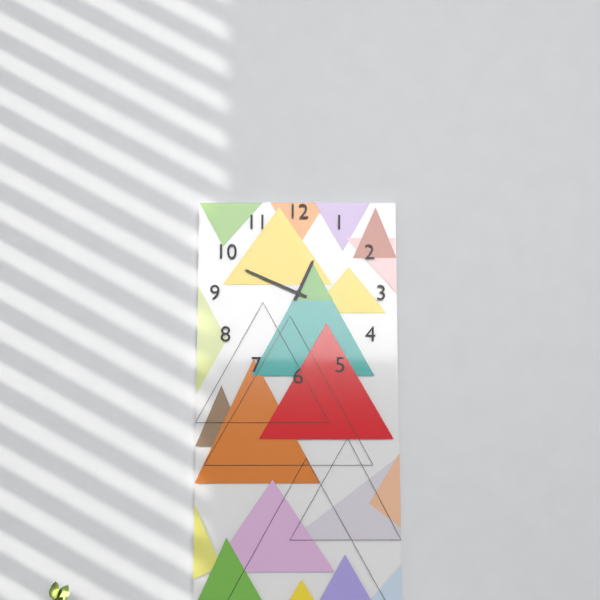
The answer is h=12 m=49
